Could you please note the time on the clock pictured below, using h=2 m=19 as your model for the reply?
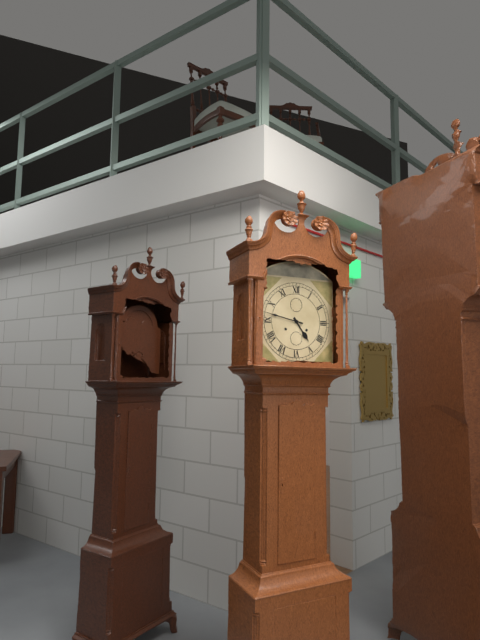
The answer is h=4 m=47
